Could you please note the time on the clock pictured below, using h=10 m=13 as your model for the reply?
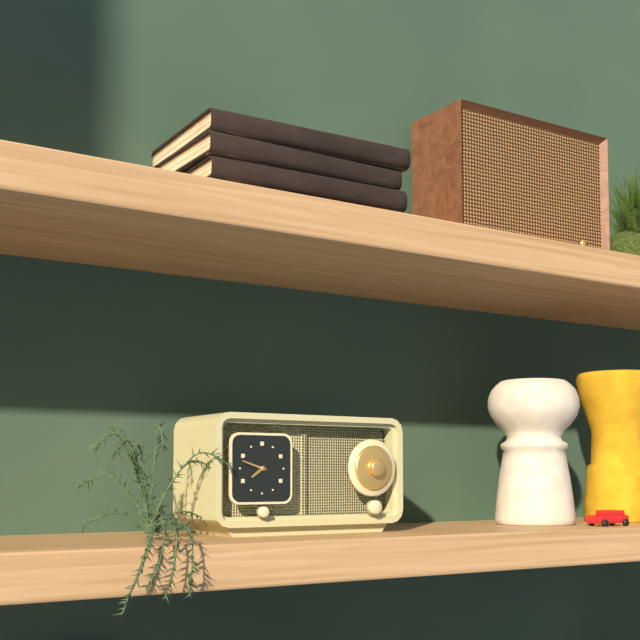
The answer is h=7 m=48
